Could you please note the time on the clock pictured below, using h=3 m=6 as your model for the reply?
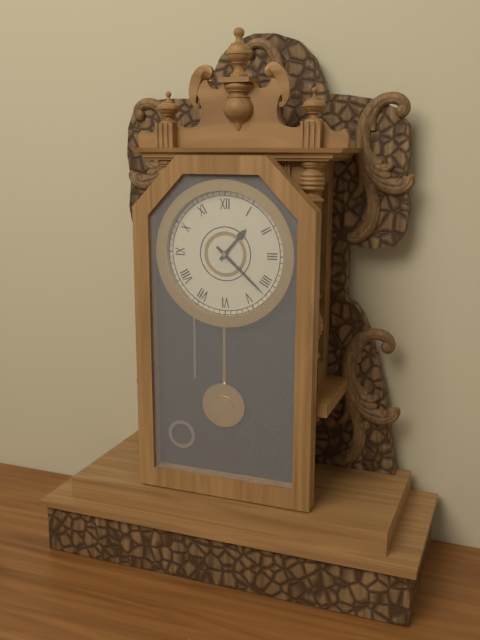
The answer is h=1 m=22
